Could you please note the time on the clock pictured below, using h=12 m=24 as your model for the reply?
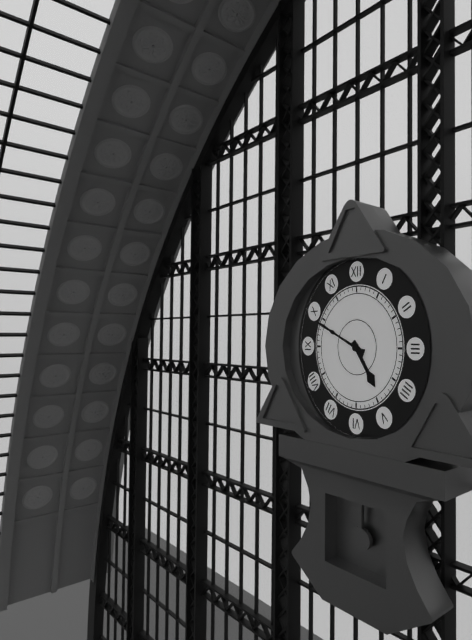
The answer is h=4 m=49
